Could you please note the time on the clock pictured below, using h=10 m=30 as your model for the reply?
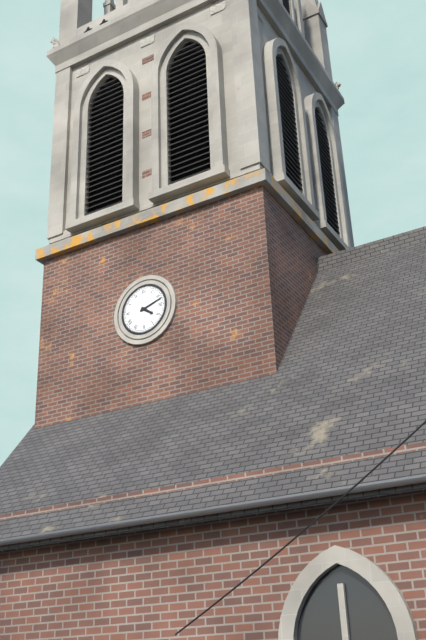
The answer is h=4 m=12
